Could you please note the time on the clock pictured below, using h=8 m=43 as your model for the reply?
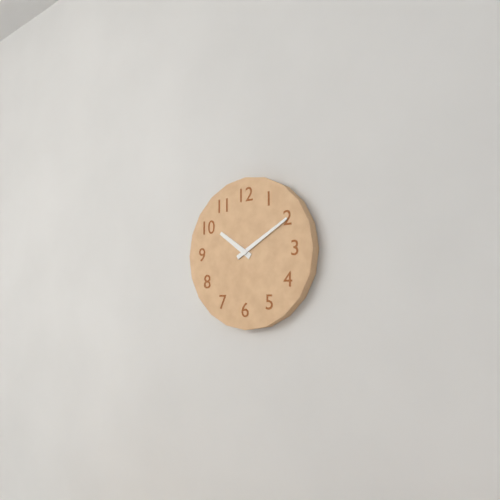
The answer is h=10 m=10
